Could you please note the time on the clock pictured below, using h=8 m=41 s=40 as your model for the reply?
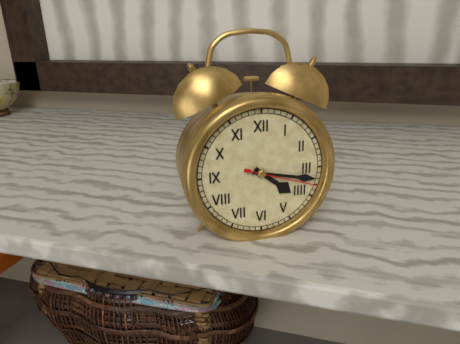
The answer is h=4 m=17 s=18
